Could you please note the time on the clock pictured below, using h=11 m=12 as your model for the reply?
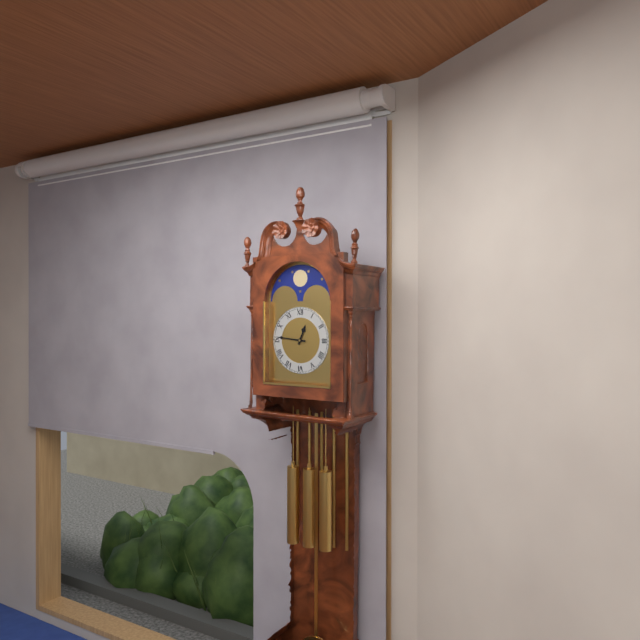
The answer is h=12 m=46
